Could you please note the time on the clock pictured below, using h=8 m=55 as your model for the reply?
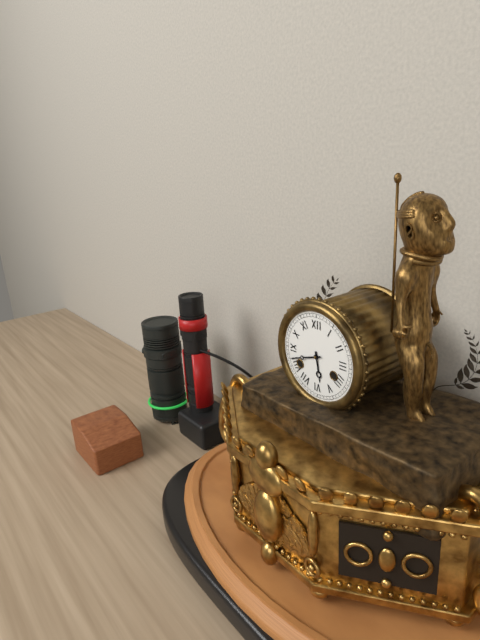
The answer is h=5 m=42
